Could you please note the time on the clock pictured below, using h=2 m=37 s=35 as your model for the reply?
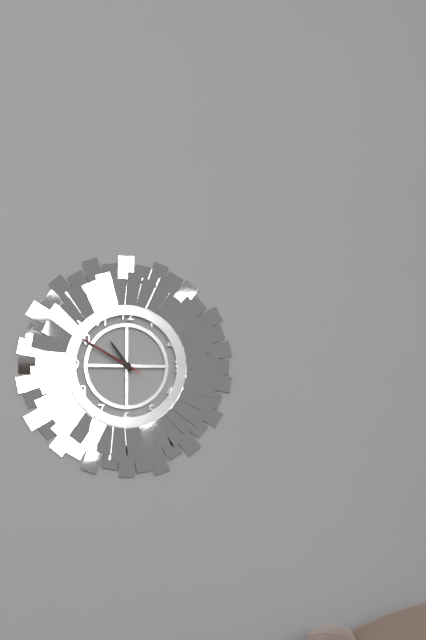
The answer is h=10 m=50 s=50
